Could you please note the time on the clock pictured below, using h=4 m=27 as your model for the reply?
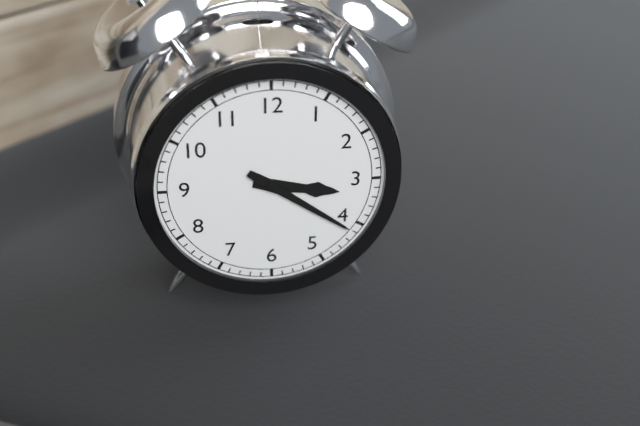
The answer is h=3 m=21
